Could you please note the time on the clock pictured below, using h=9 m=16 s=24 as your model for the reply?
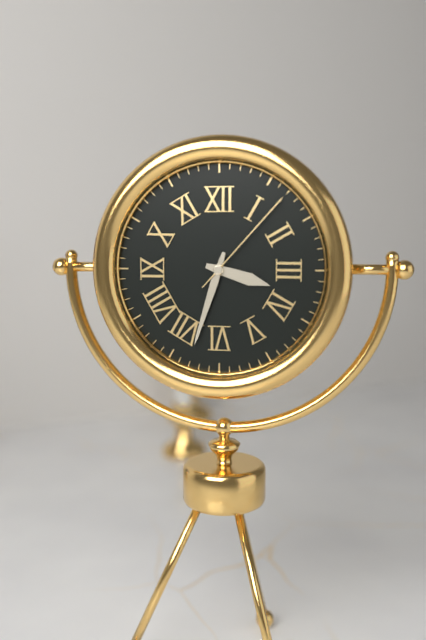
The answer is h=3 m=33 s=7
